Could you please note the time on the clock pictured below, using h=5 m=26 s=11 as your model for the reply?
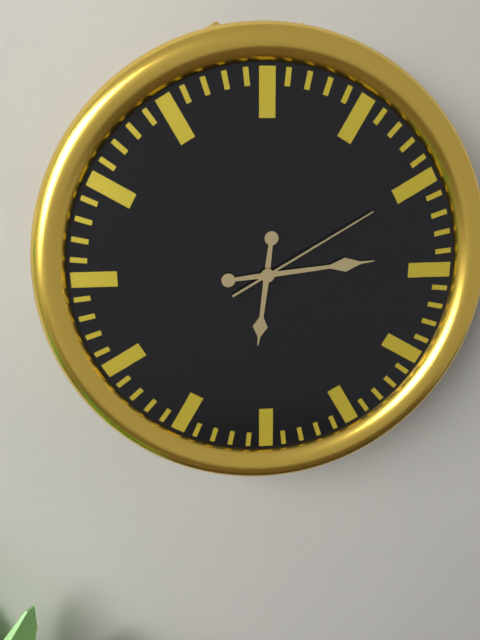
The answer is h=6 m=14 s=10
